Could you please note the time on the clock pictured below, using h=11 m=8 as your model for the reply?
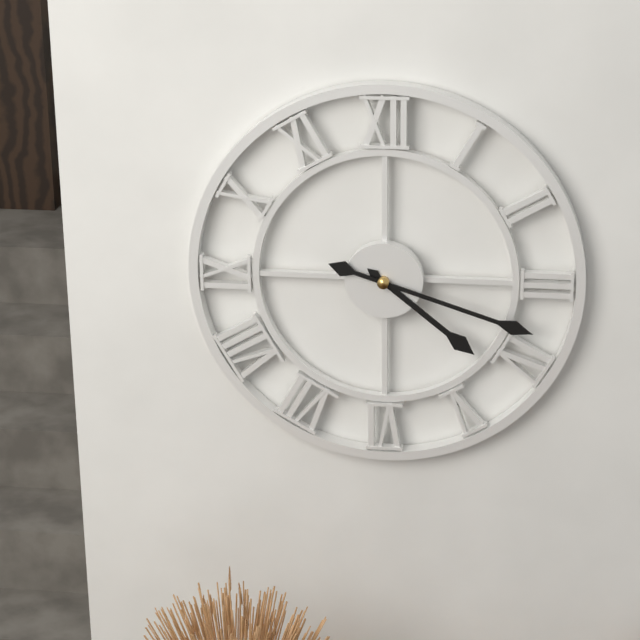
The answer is h=4 m=18
